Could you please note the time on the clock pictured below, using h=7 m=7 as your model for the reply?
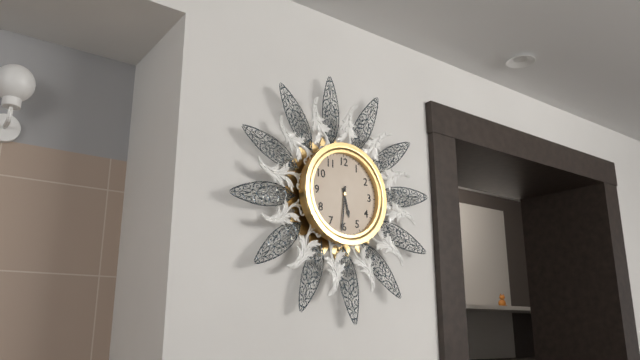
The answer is h=5 m=31
